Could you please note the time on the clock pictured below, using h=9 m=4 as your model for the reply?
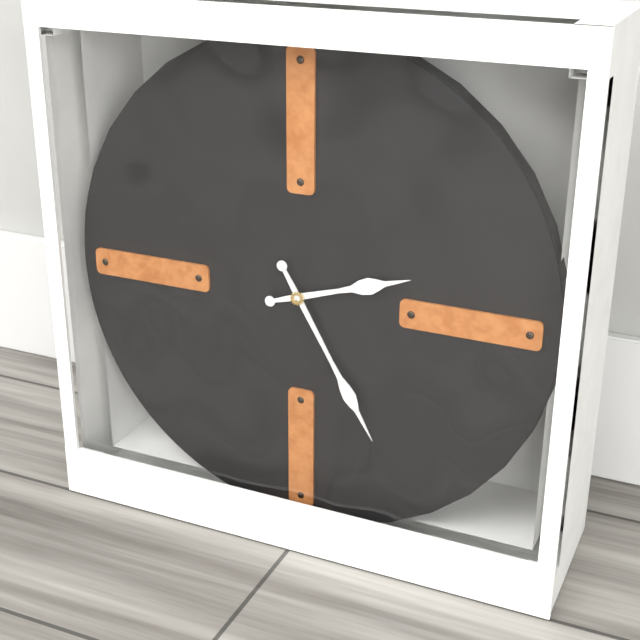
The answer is h=2 m=25
